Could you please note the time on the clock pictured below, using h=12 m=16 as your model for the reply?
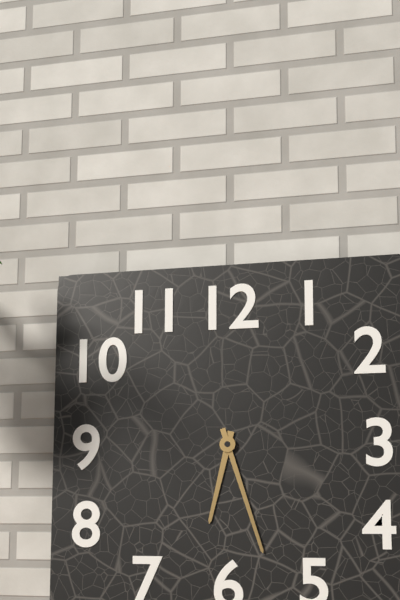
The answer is h=6 m=27
